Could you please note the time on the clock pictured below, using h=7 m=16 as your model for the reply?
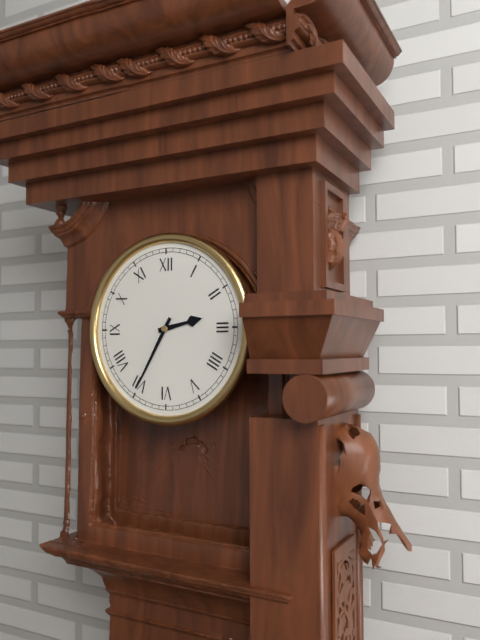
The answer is h=2 m=35
